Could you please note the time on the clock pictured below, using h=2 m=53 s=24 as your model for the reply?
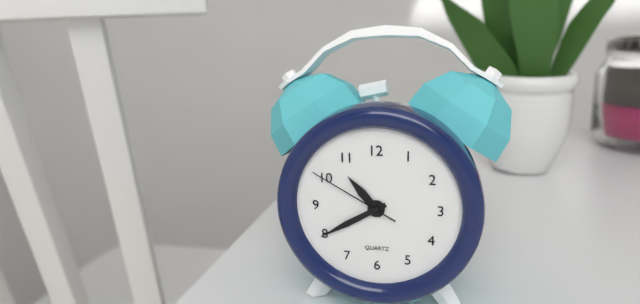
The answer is h=10 m=40 s=50
